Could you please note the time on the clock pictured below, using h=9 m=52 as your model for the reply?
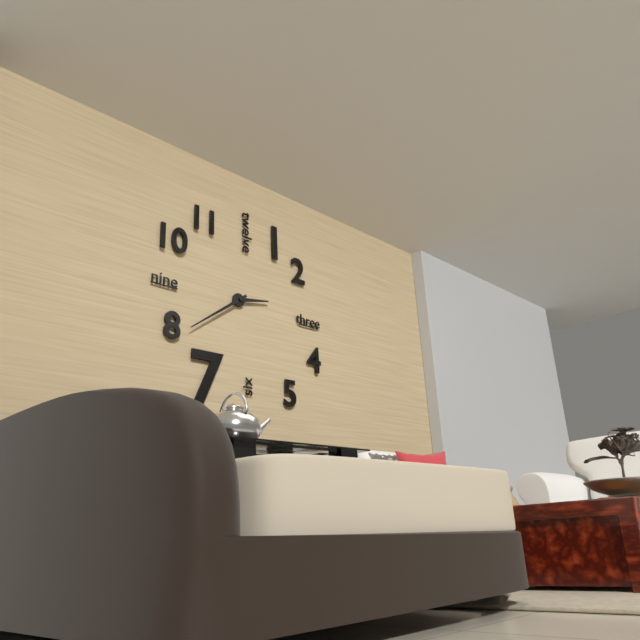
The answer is h=2 m=39
